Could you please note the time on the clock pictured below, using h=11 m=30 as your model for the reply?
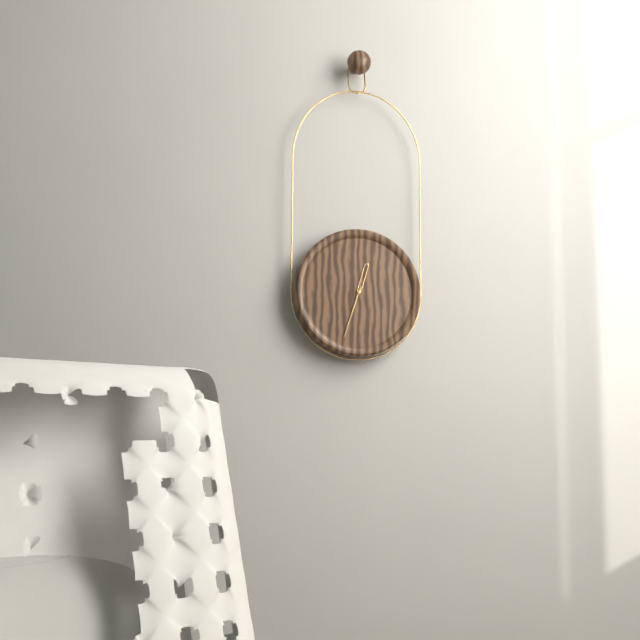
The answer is h=12 m=33
